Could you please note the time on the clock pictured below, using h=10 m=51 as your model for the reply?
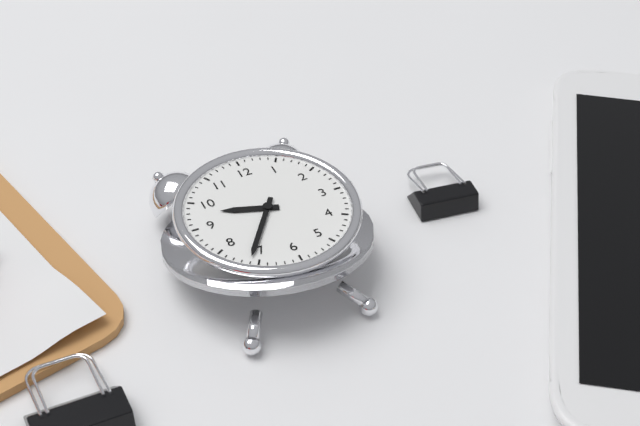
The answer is h=9 m=36
